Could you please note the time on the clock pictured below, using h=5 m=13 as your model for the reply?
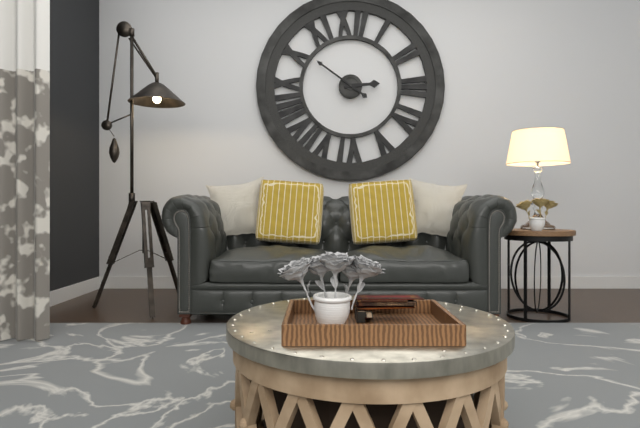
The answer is h=2 m=51
